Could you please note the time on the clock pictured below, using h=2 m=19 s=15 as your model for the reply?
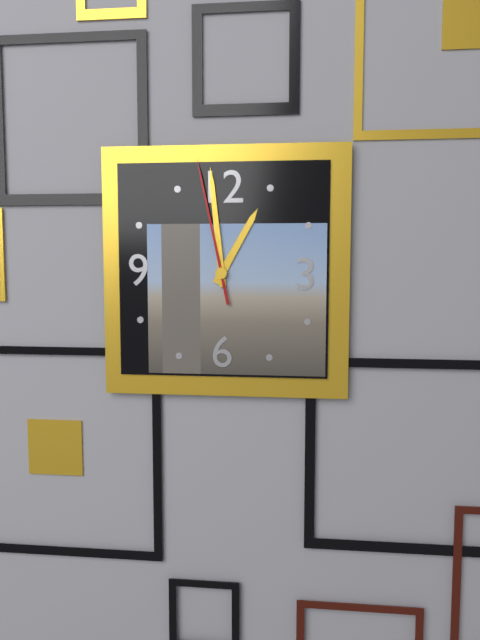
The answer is h=12 m=59 s=58
